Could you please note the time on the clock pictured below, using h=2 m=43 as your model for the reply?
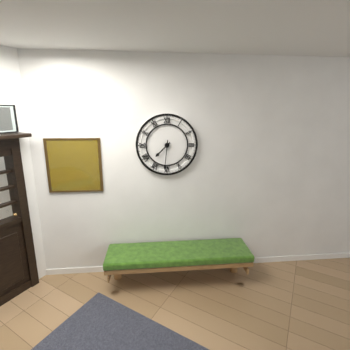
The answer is h=7 m=31
